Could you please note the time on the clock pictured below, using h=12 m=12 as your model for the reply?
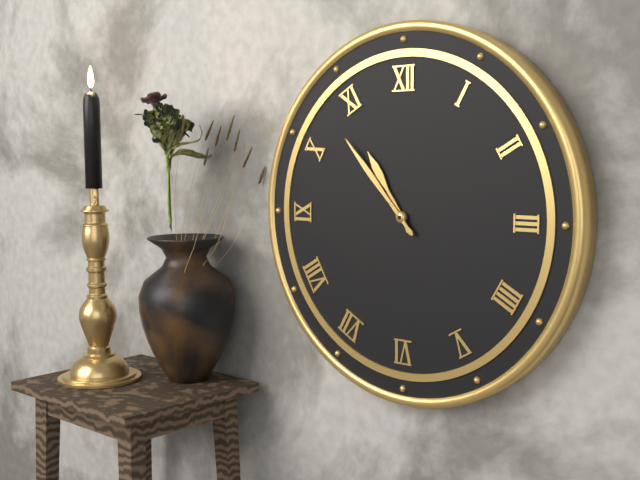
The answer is h=10 m=53
